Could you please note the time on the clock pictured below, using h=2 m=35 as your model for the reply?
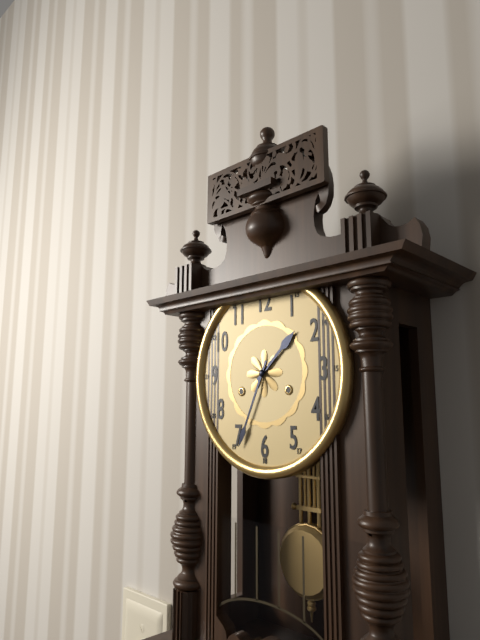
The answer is h=1 m=34
